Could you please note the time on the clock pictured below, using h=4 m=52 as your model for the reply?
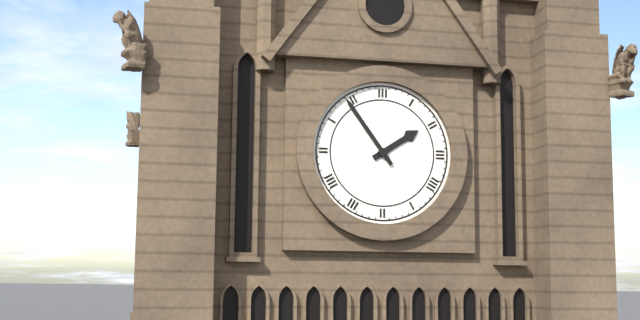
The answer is h=1 m=54
